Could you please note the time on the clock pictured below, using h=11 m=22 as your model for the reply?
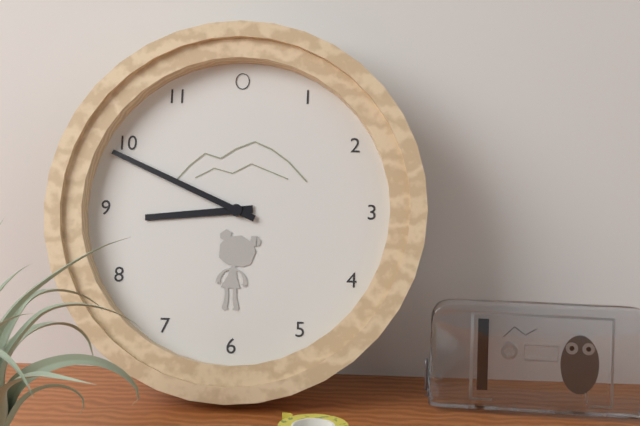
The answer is h=8 m=49
